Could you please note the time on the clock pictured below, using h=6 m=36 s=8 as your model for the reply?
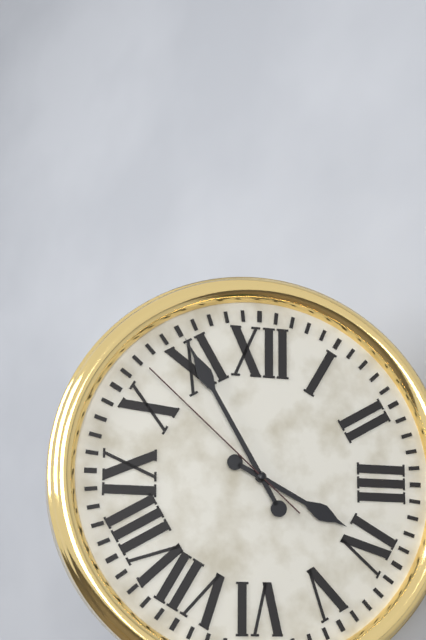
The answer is h=3 m=55 s=52
